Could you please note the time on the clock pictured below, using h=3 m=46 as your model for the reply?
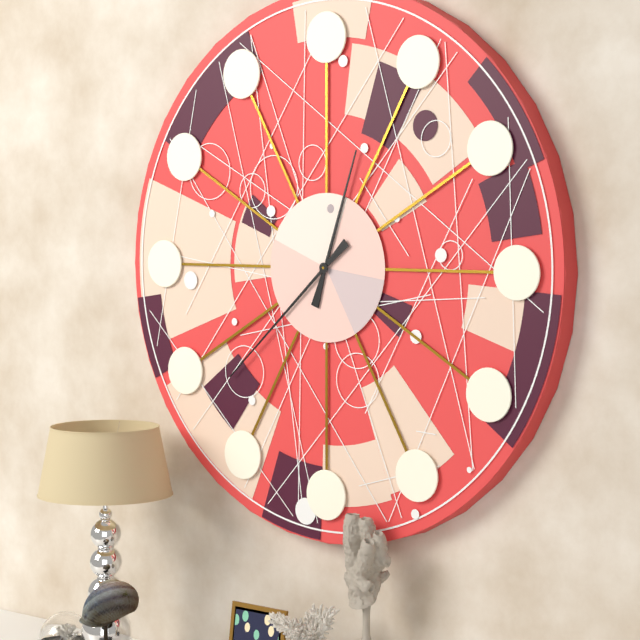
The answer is h=12 m=38
